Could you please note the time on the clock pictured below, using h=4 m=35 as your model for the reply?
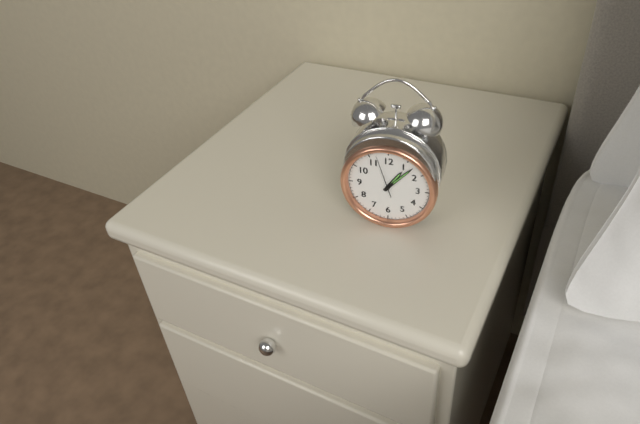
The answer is h=1 m=7
